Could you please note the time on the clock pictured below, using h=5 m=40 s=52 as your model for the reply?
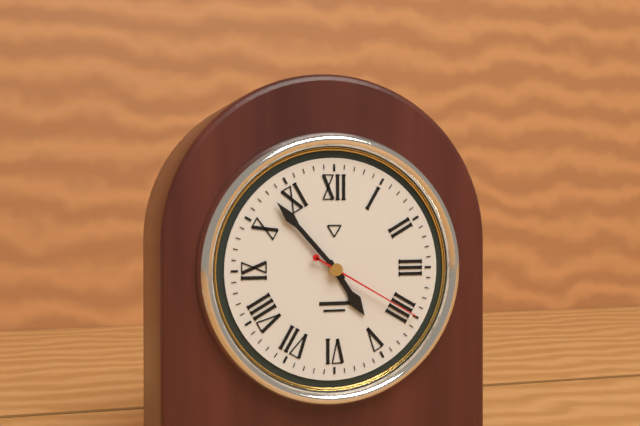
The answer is h=4 m=53 s=20
